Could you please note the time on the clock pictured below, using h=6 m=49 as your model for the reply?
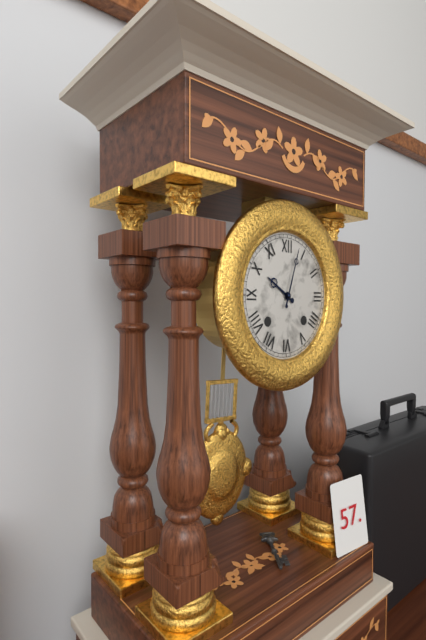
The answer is h=10 m=3
